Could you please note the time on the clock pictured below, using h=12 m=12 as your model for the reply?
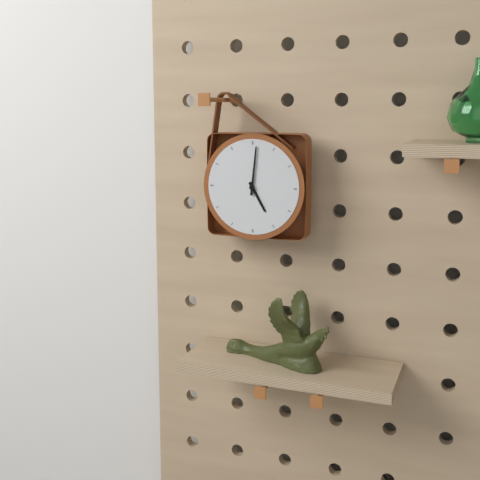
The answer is h=5 m=1
